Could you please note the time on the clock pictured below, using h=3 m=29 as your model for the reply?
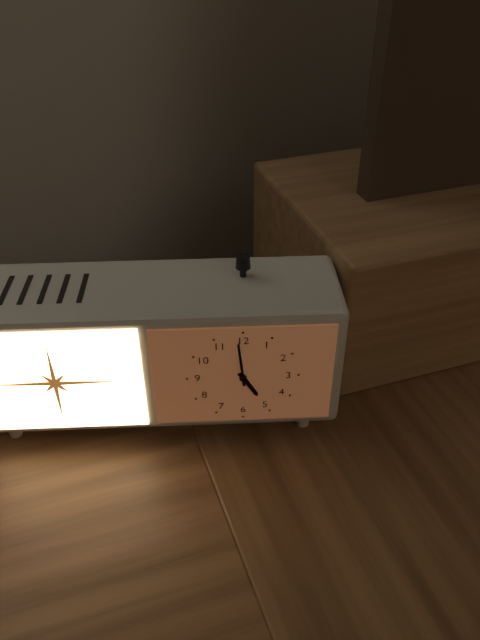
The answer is h=4 m=59
